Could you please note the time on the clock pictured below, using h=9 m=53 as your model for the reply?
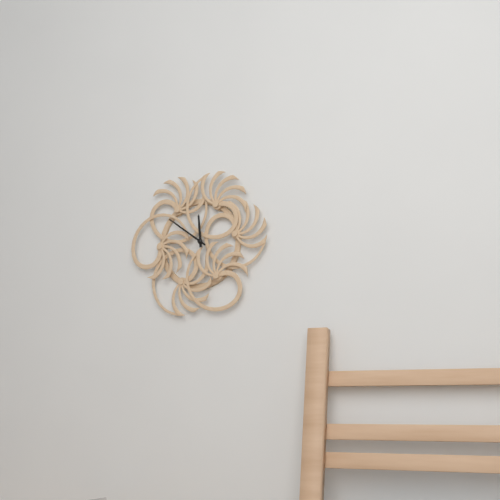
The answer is h=11 m=51
